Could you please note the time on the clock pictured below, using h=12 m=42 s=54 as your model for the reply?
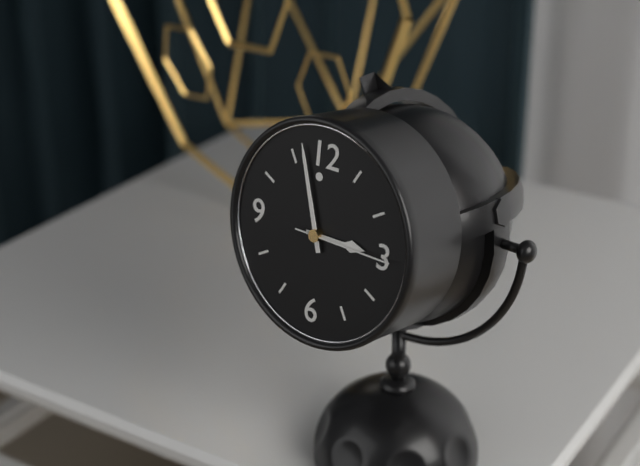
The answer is h=2 m=57 s=15
